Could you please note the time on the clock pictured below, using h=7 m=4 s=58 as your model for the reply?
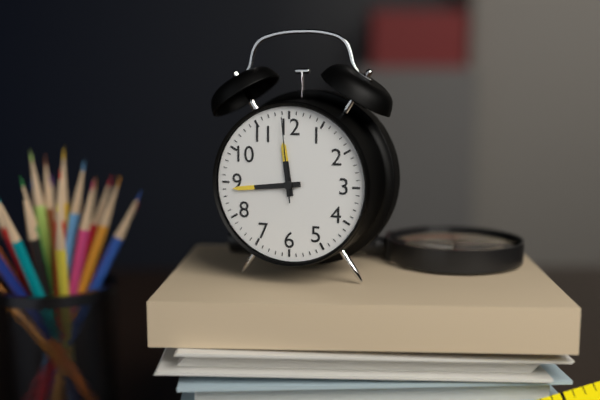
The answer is h=11 m=44 s=59
